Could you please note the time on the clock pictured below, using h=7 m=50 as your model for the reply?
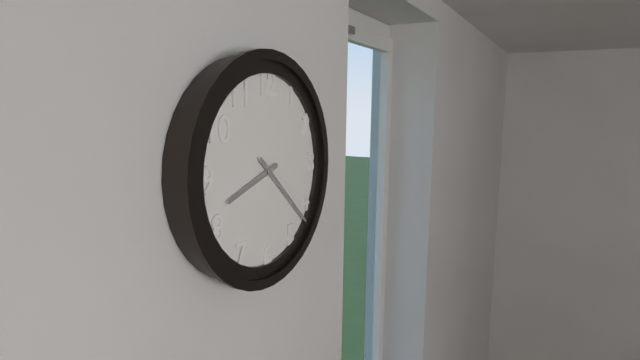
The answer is h=8 m=22
